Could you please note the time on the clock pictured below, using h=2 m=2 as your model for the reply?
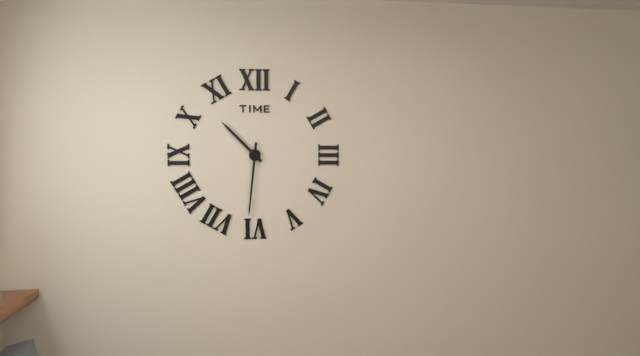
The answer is h=10 m=31
